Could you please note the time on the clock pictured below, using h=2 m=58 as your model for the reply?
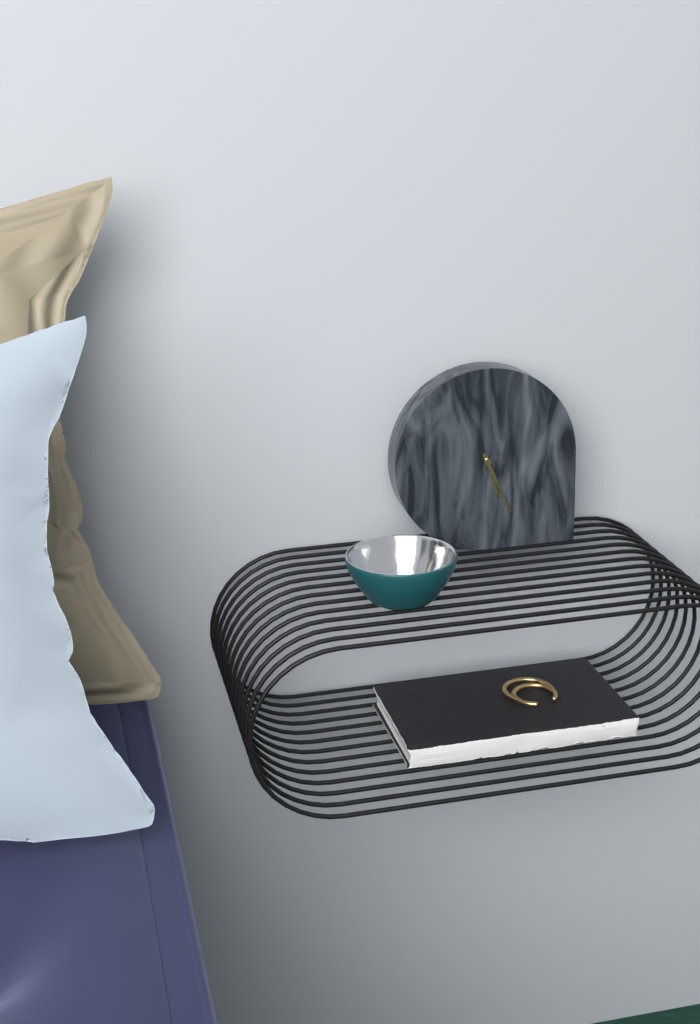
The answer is h=5 m=26
